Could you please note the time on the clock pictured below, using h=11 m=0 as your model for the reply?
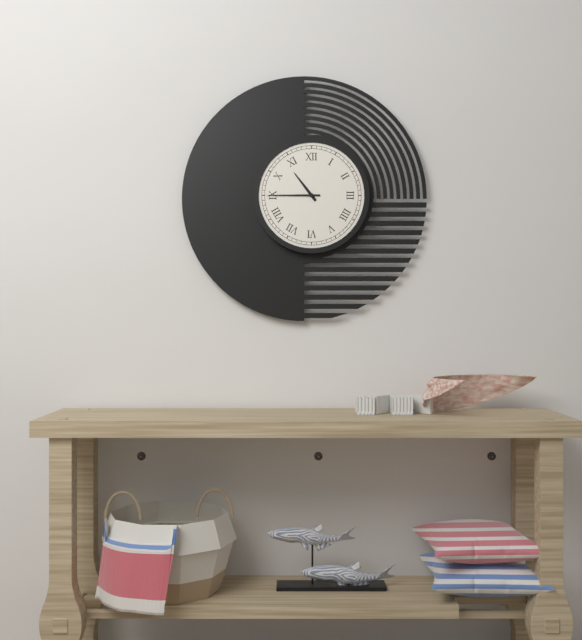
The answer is h=10 m=45
